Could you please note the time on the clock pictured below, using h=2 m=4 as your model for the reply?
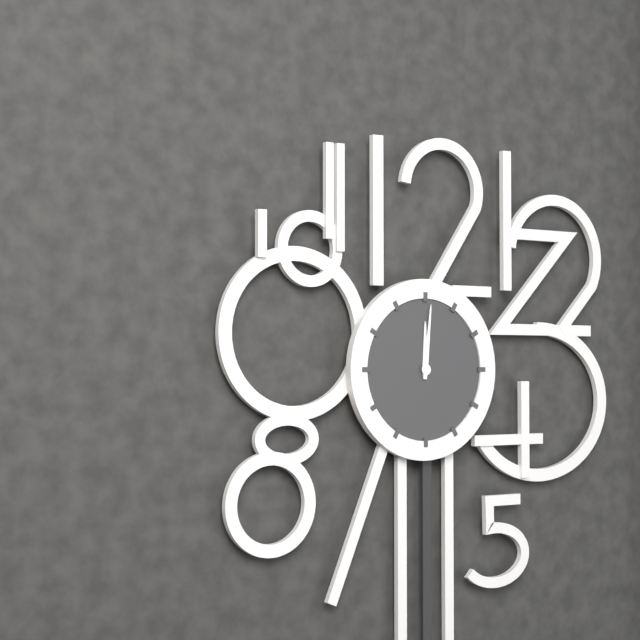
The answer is h=12 m=1
